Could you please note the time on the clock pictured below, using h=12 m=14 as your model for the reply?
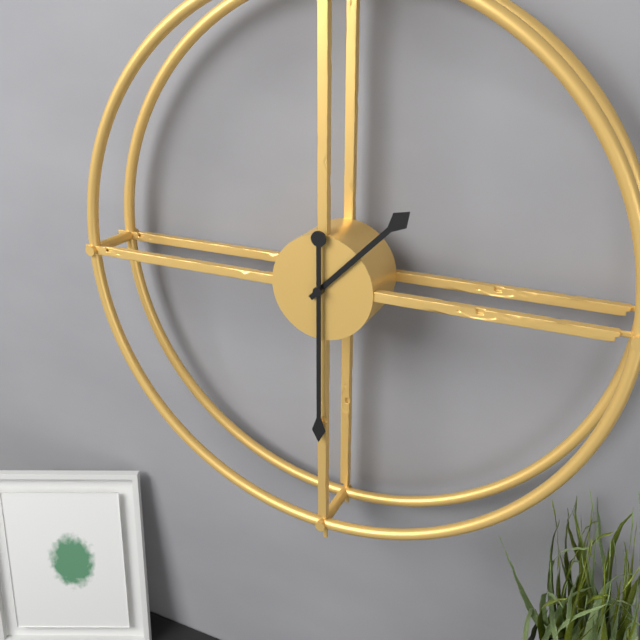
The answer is h=1 m=30
